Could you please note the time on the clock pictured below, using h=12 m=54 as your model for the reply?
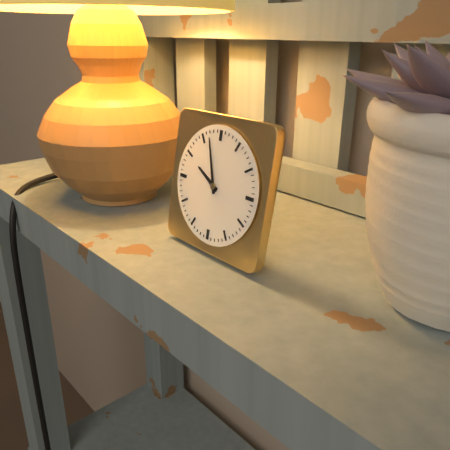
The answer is h=9 m=57
